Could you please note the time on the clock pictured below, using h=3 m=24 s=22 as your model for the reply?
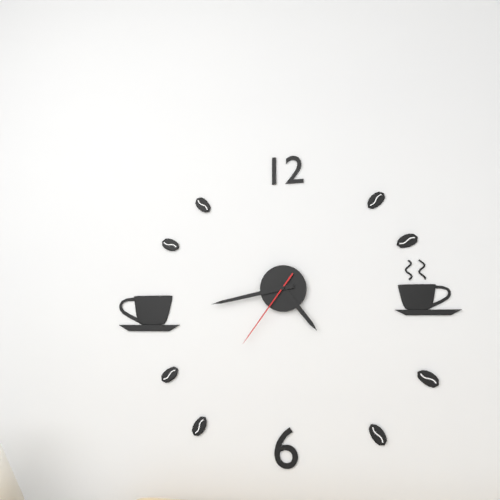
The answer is h=4 m=43 s=36
